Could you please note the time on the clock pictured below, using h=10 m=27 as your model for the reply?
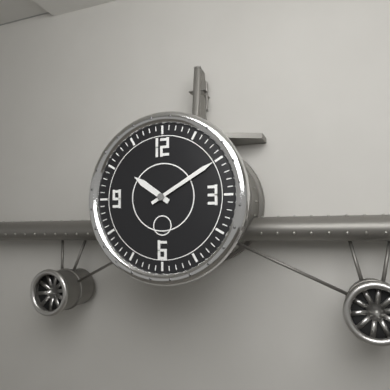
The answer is h=10 m=10
